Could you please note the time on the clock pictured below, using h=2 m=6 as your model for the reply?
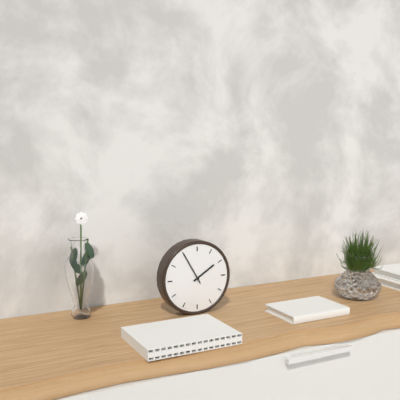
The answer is h=1 m=55
